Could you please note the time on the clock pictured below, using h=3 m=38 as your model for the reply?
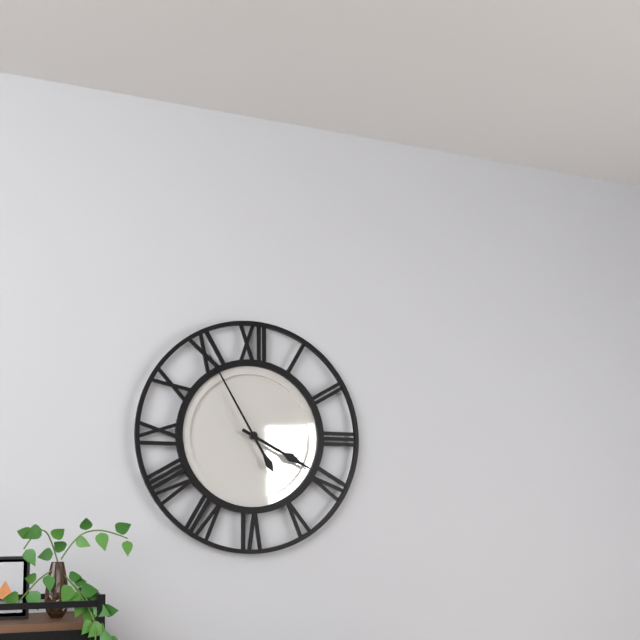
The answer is h=3 m=55
